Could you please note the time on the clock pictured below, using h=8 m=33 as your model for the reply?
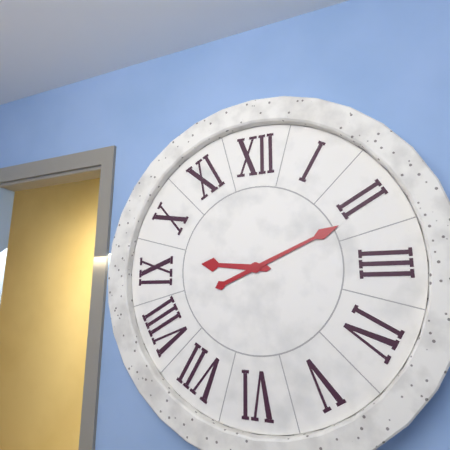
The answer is h=9 m=11
